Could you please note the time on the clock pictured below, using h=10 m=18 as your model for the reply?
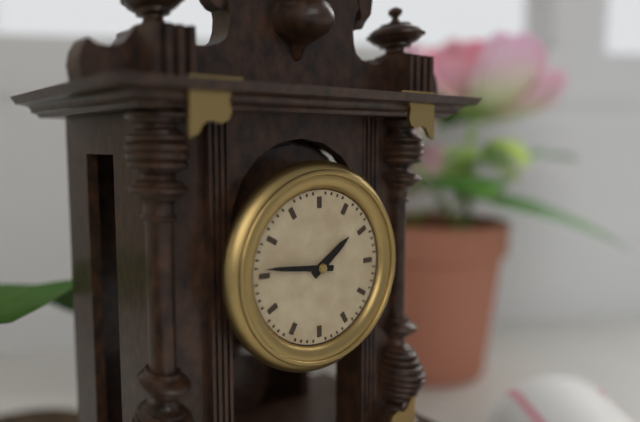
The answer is h=1 m=46
